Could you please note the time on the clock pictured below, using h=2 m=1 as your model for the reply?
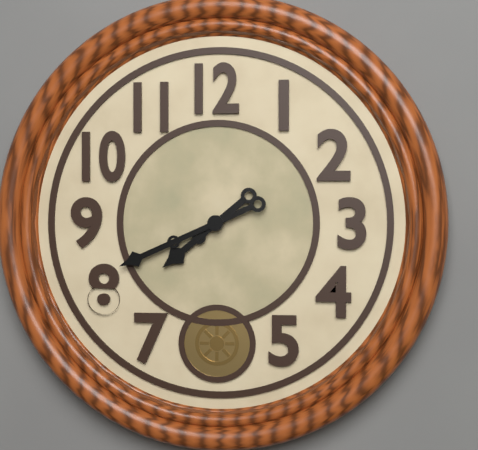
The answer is h=7 m=41
